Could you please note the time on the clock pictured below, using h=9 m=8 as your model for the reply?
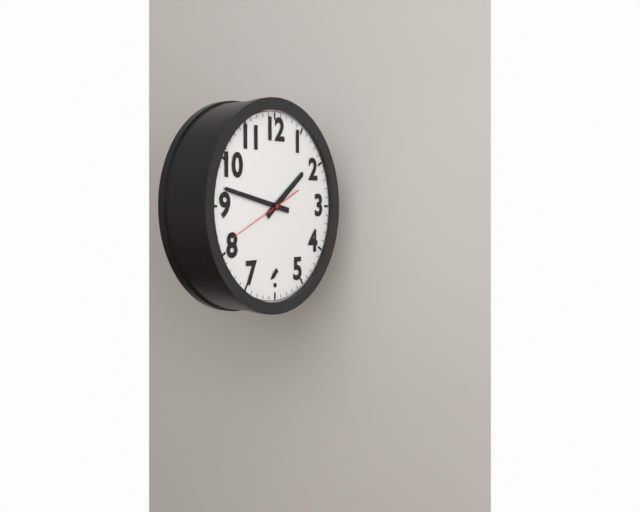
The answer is h=1 m=47
